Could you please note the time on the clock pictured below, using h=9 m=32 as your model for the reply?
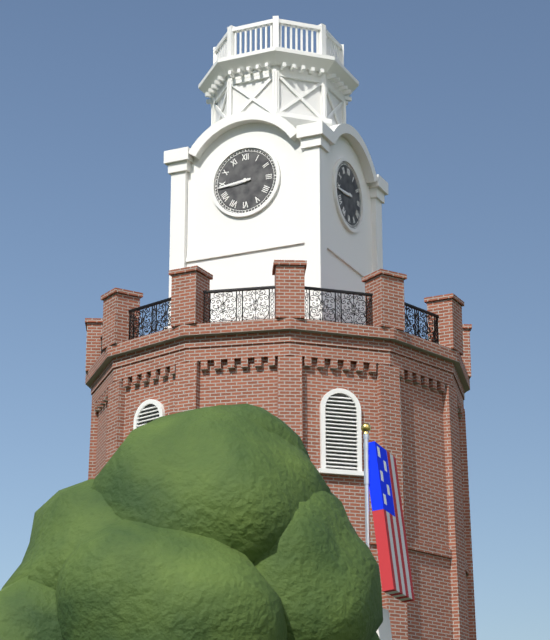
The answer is h=8 m=44
